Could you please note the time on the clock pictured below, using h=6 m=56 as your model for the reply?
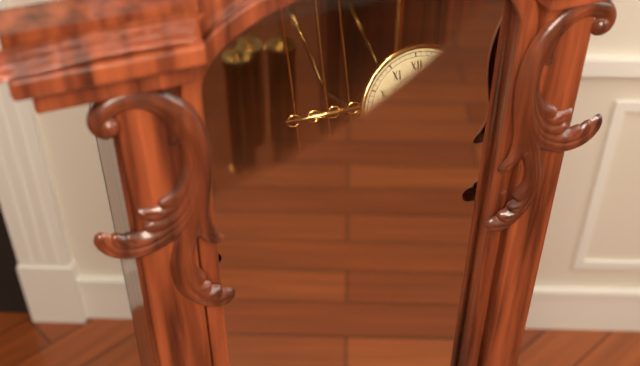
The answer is h=12 m=4
